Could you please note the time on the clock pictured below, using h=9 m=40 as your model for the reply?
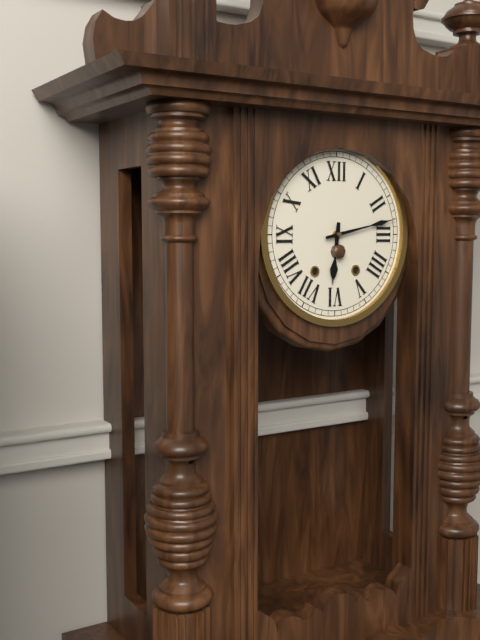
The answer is h=6 m=13
